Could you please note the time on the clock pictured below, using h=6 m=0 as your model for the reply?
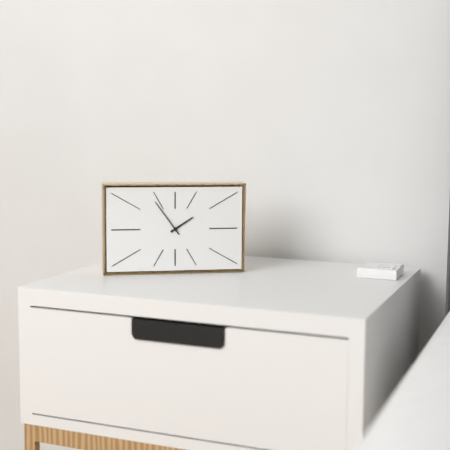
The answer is h=1 m=54
